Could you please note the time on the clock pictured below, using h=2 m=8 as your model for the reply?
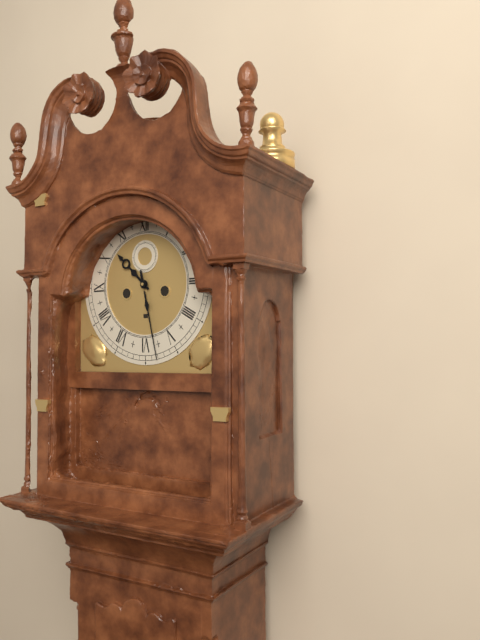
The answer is h=10 m=28
